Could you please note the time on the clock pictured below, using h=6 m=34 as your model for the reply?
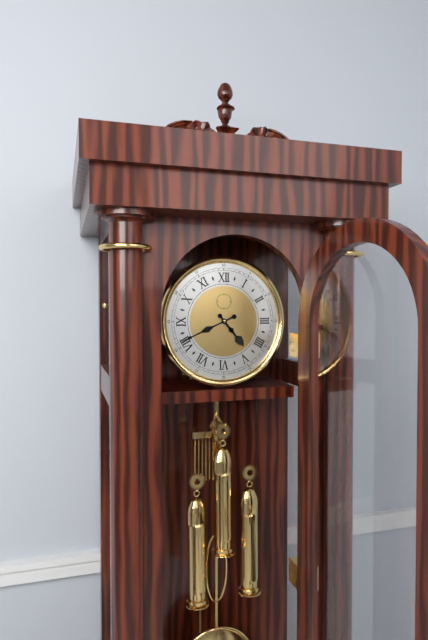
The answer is h=4 m=41
